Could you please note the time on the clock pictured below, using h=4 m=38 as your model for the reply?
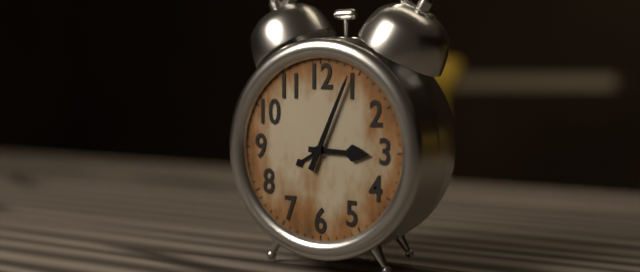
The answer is h=3 m=4
